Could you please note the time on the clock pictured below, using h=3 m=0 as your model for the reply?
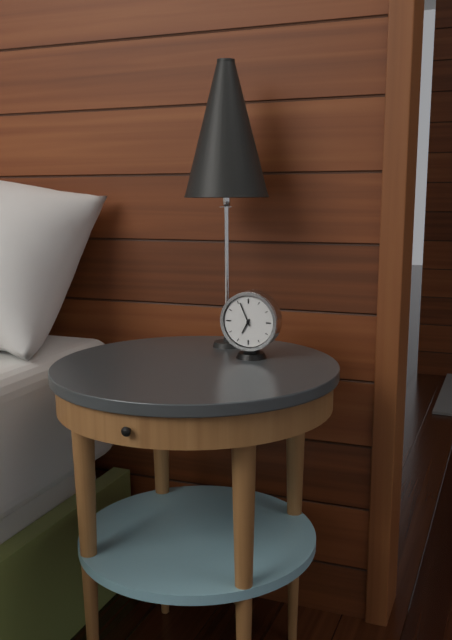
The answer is h=6 m=56
